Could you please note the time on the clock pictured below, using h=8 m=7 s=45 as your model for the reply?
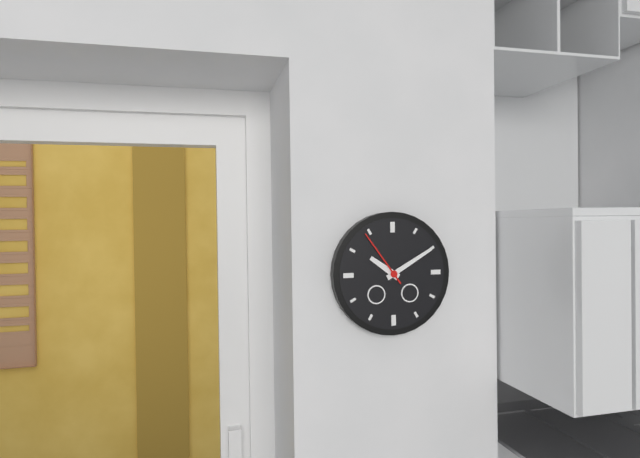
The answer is h=10 m=10 s=54
